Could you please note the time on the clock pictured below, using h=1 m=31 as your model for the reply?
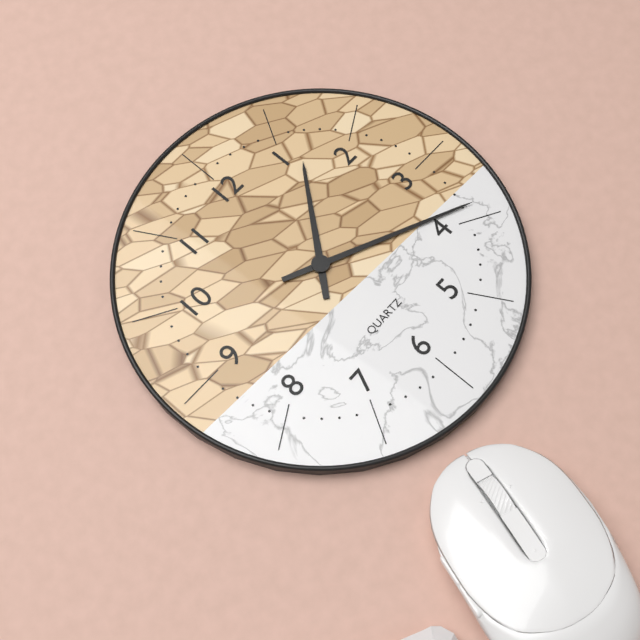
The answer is h=1 m=19
